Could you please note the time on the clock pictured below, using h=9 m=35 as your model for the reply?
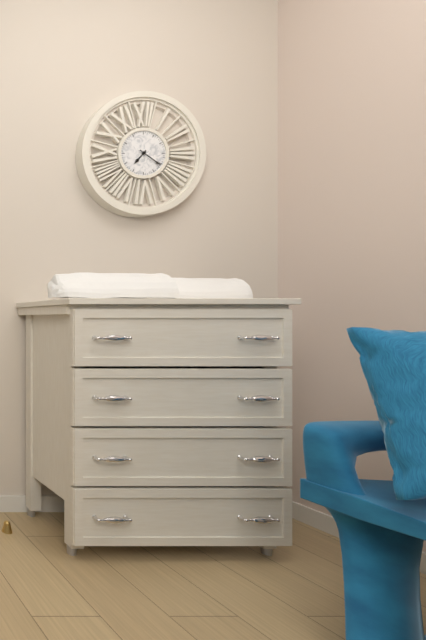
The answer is h=7 m=21
